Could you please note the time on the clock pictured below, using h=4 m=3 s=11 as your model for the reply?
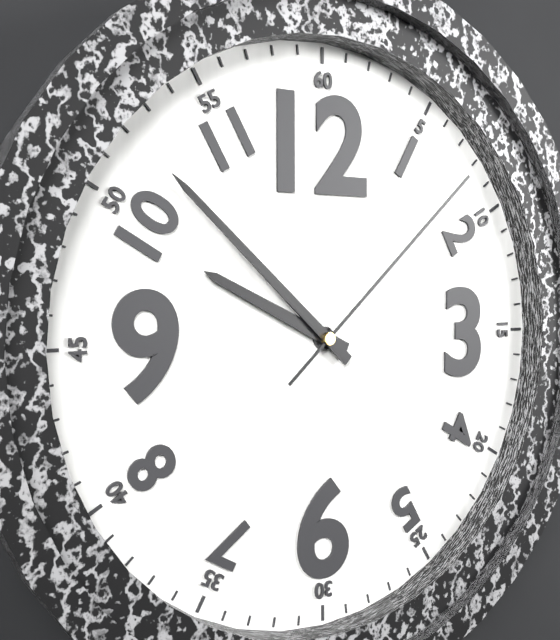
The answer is h=9 m=52 s=8
